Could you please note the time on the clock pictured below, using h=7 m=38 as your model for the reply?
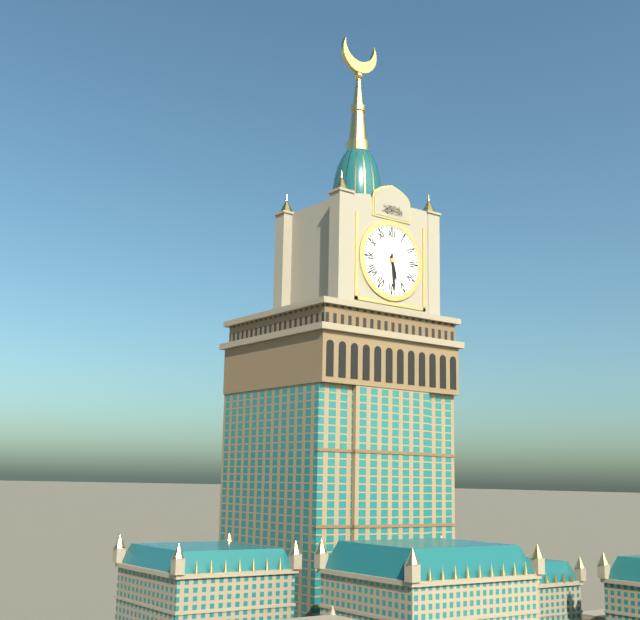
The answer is h=5 m=29
